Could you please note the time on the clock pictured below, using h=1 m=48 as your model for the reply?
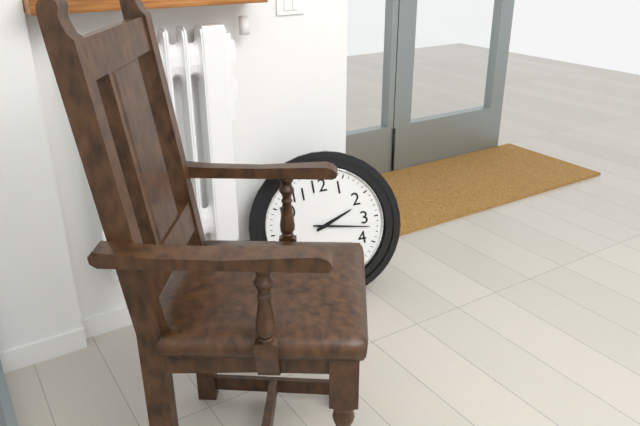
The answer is h=2 m=17
